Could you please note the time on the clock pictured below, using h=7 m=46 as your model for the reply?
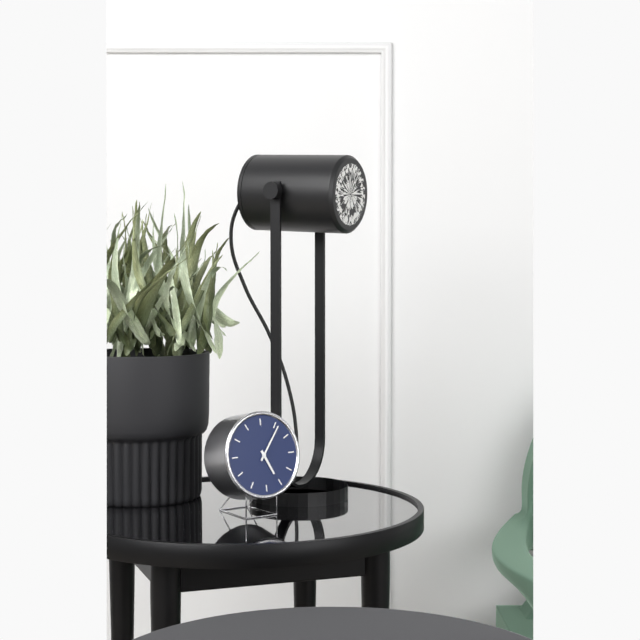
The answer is h=5 m=6
